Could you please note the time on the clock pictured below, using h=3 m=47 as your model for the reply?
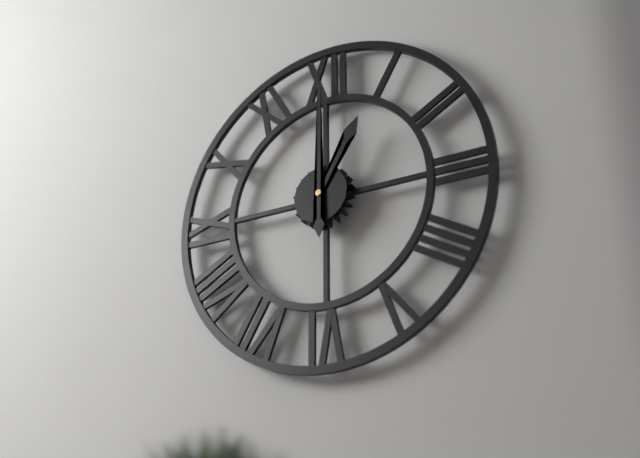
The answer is h=1 m=0
